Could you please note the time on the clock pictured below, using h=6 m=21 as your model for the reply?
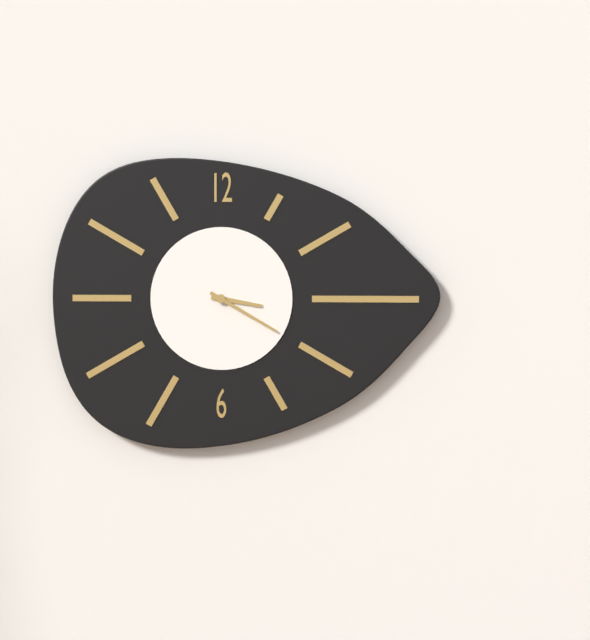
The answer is h=3 m=20
